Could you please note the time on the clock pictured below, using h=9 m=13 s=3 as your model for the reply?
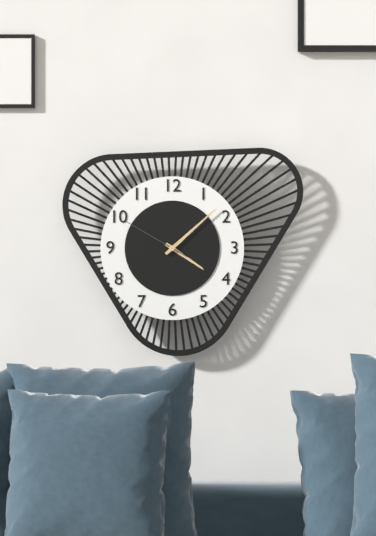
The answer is h=4 m=8 s=50
